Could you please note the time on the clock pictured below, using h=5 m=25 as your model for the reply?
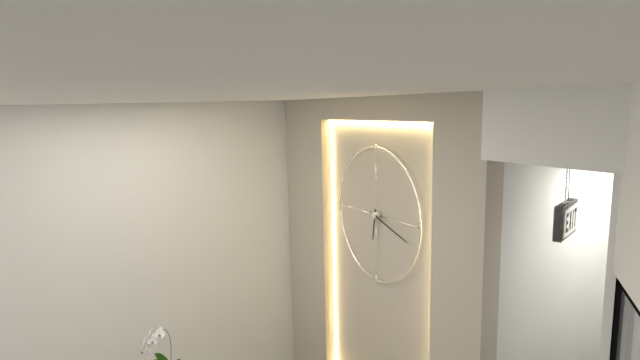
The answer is h=6 m=18
